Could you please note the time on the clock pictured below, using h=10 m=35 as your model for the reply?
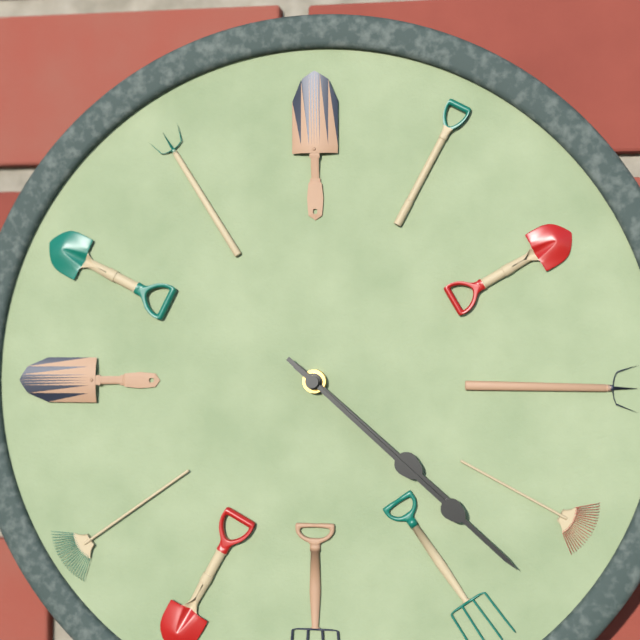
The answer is h=4 m=22
